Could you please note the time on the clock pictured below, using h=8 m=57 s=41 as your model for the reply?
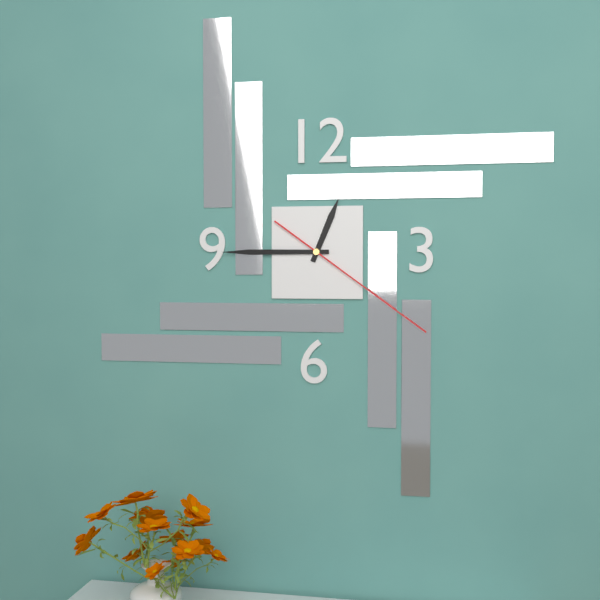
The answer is h=12 m=45 s=21
